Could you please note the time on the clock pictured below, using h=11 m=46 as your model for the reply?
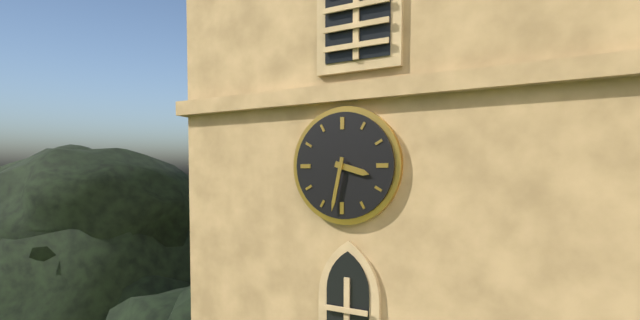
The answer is h=3 m=32
